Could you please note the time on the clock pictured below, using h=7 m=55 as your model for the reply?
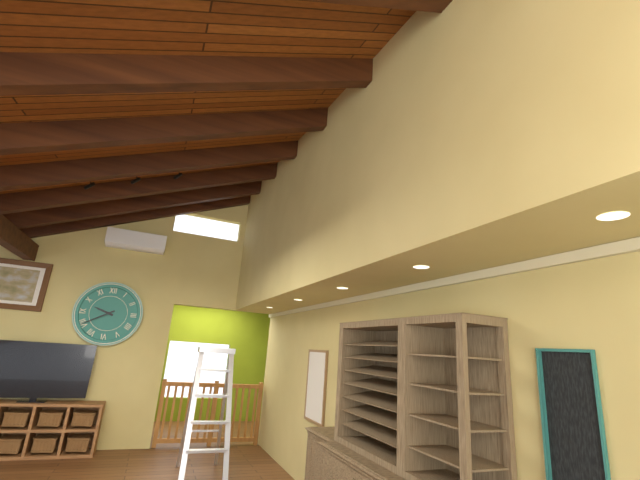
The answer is h=9 m=40
